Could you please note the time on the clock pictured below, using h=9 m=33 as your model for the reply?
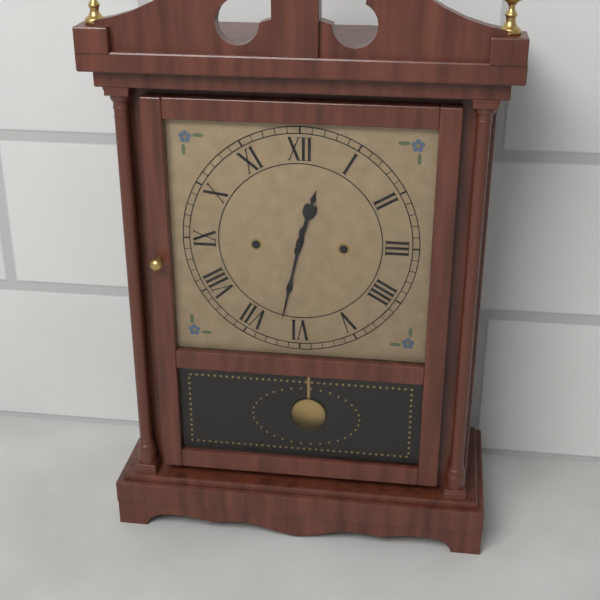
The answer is h=12 m=32
